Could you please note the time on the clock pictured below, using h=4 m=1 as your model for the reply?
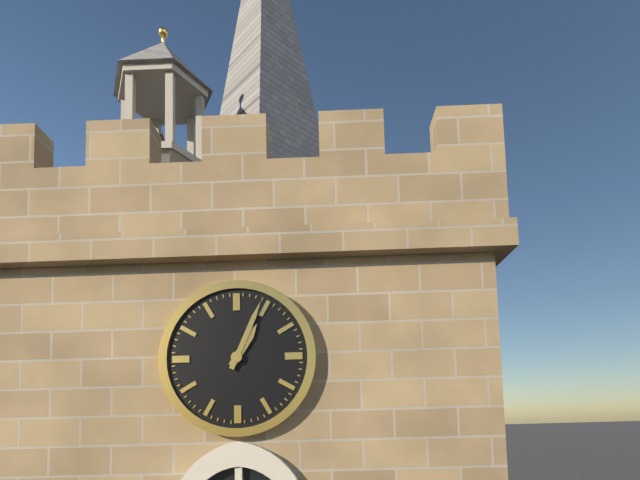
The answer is h=1 m=4
